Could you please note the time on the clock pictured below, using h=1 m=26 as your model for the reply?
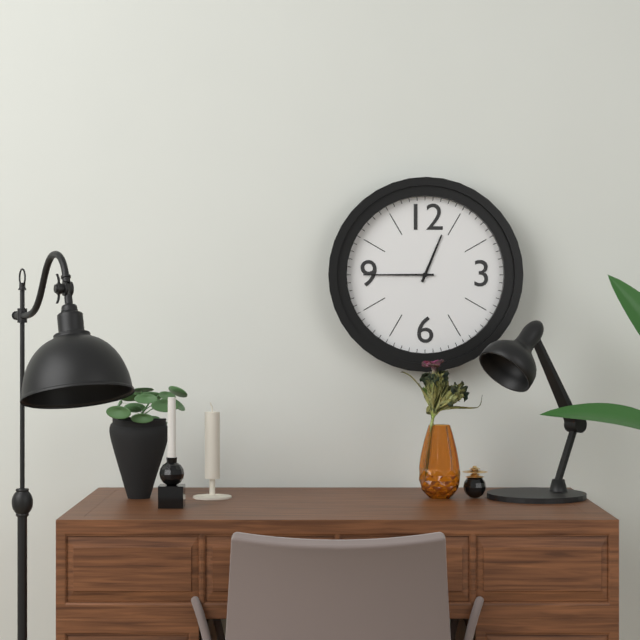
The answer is h=12 m=45
